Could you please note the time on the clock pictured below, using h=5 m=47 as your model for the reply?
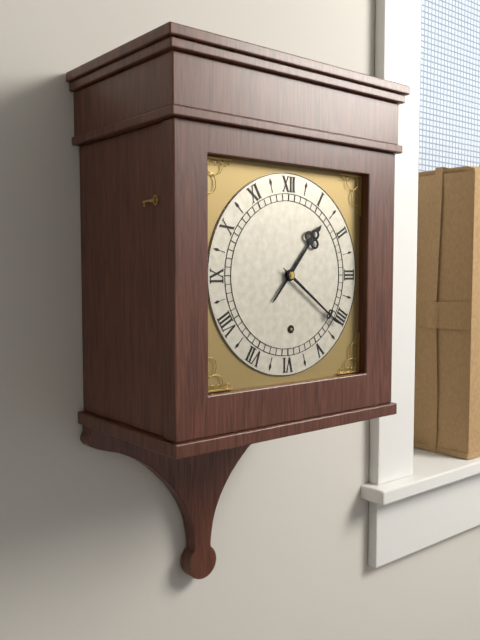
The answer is h=1 m=21
